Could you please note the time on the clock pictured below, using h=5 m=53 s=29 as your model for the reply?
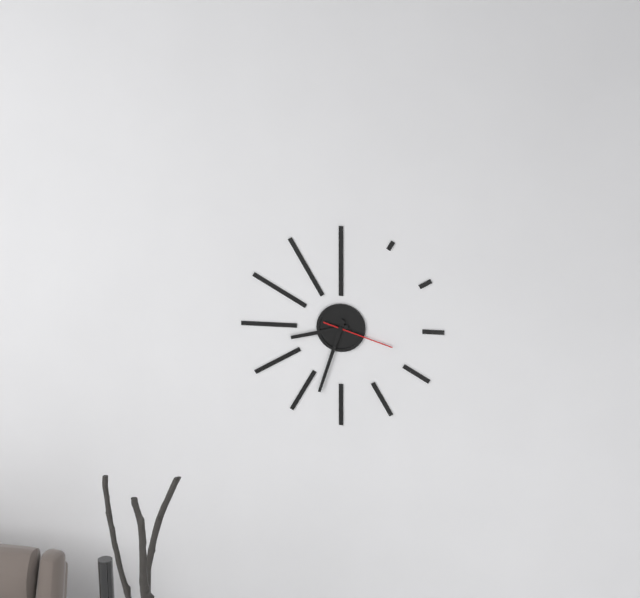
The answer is h=8 m=33 s=18
